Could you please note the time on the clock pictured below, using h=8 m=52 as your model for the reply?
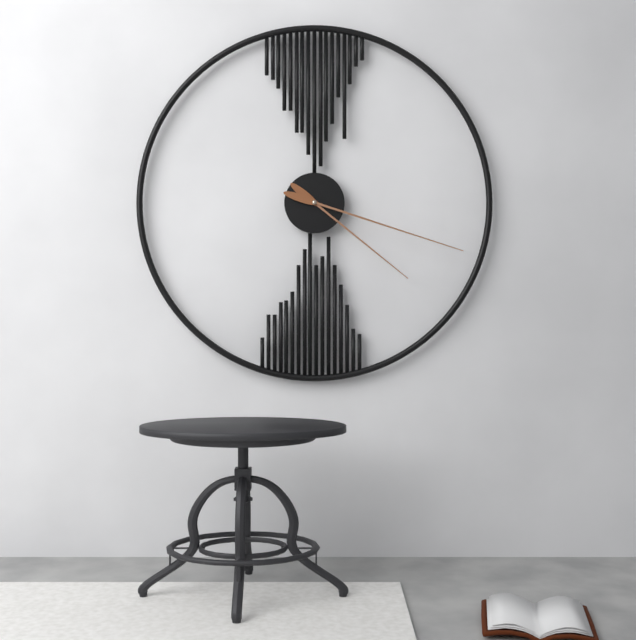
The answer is h=4 m=18
